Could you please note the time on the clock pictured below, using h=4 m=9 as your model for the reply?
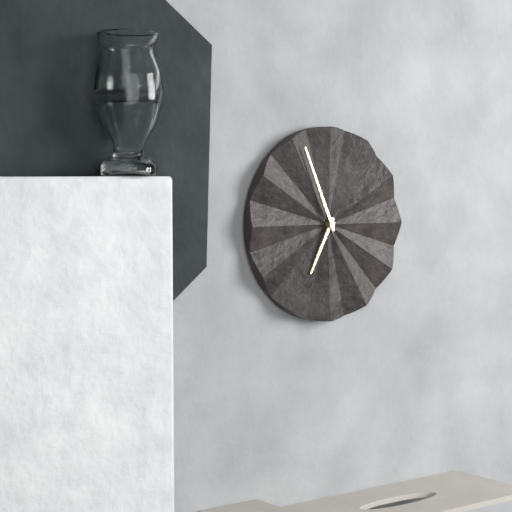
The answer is h=6 m=56
